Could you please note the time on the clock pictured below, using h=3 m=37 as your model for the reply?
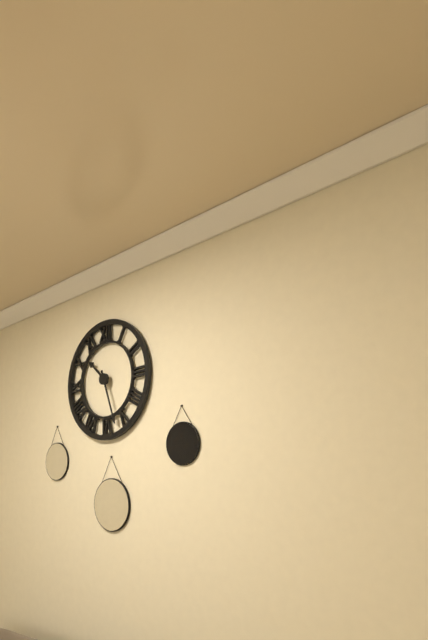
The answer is h=10 m=27
